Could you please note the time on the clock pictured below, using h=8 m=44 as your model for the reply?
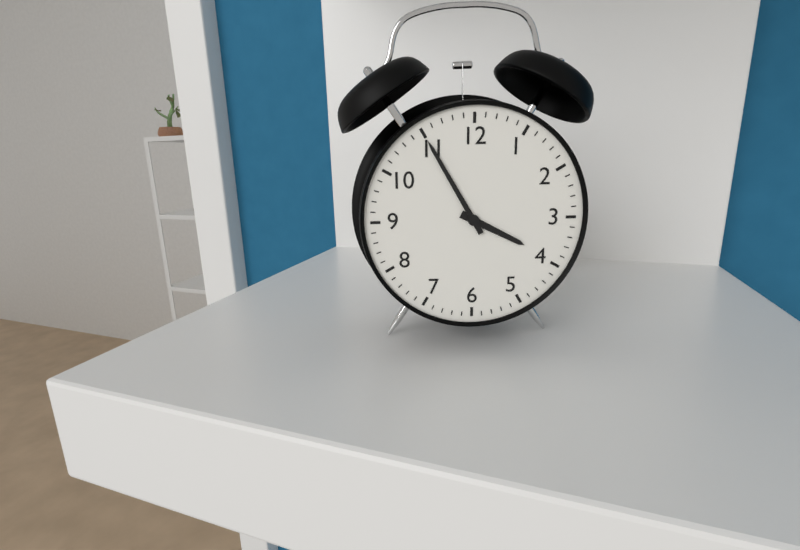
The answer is h=3 m=55
